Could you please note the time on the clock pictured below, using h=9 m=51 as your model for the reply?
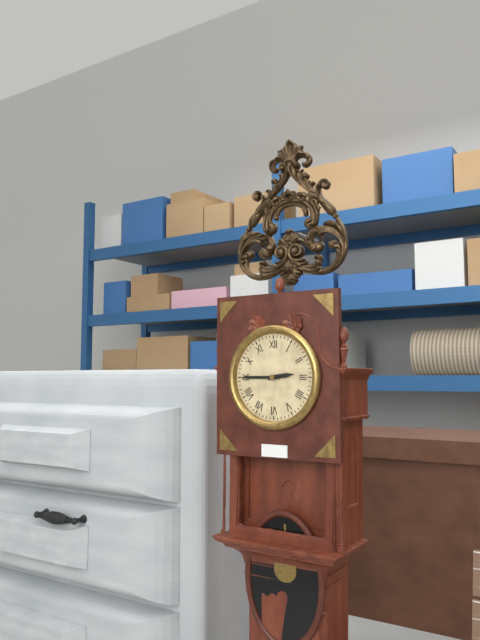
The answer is h=2 m=45
